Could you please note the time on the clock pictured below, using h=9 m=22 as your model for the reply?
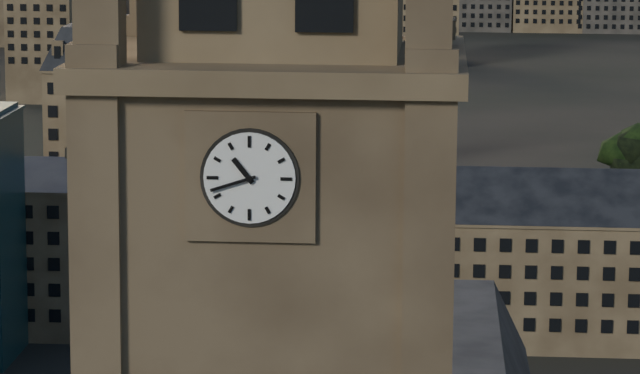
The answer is h=10 m=42
